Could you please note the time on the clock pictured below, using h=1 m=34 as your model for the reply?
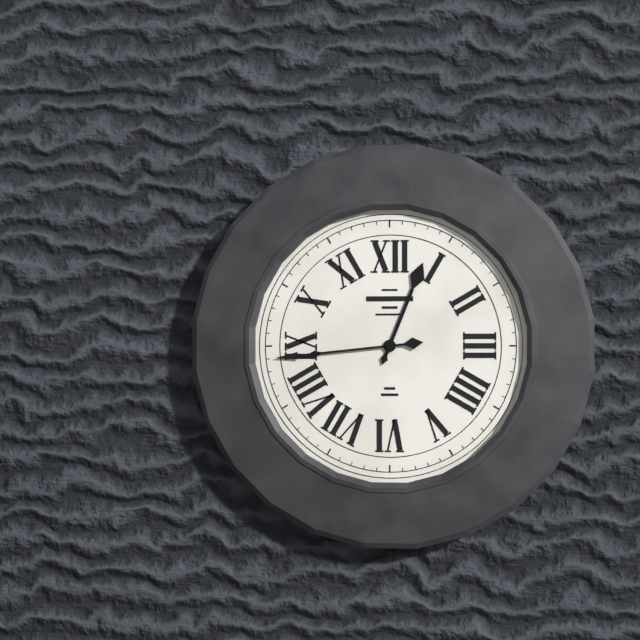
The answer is h=12 m=44
